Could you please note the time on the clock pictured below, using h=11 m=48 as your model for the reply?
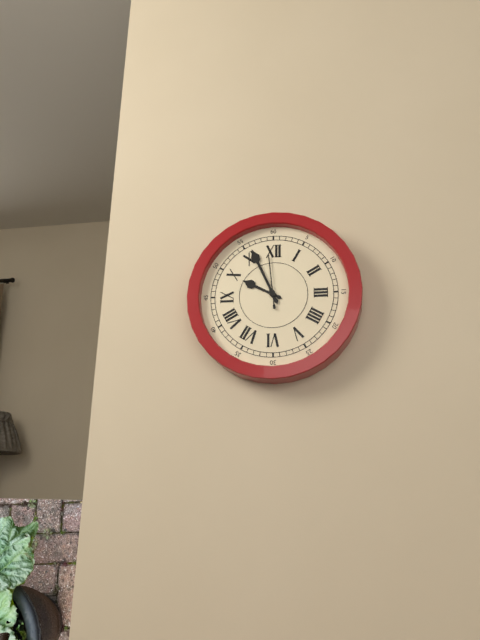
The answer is h=9 m=56
